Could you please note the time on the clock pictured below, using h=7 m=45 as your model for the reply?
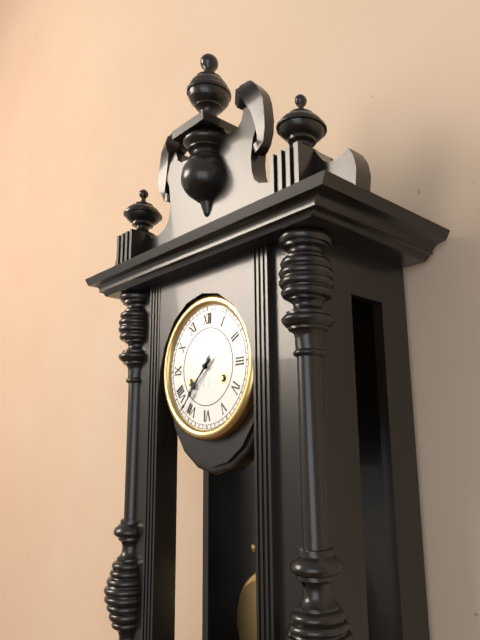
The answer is h=7 m=37
